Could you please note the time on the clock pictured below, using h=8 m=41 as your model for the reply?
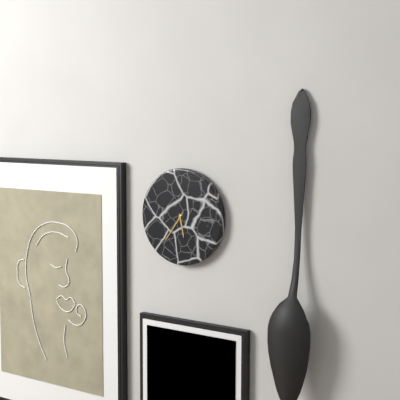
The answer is h=5 m=36
